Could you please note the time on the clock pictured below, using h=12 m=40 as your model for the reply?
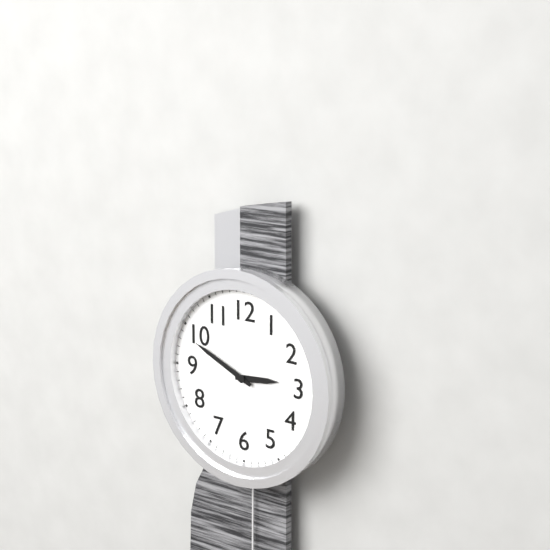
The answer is h=2 m=49
